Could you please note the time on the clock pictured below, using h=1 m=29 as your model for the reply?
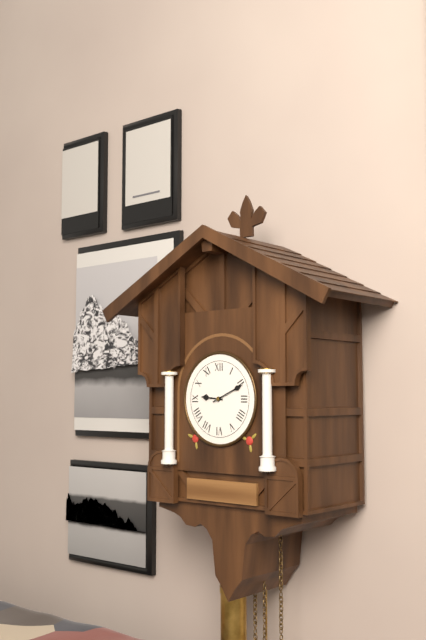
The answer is h=9 m=11
